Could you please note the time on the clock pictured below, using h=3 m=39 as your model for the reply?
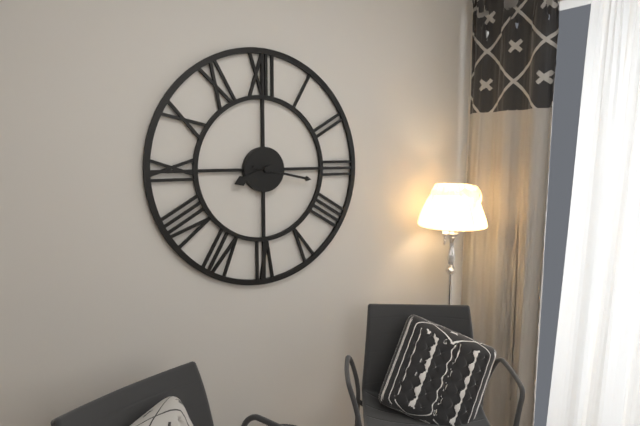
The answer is h=8 m=17
